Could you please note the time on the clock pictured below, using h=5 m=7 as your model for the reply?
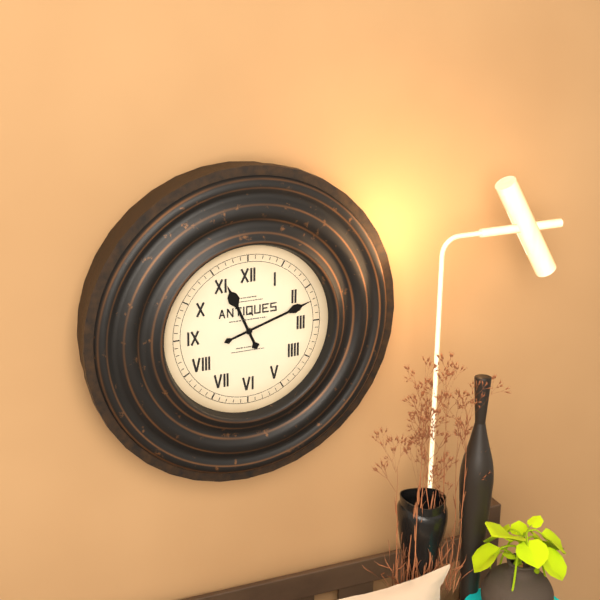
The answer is h=11 m=12
